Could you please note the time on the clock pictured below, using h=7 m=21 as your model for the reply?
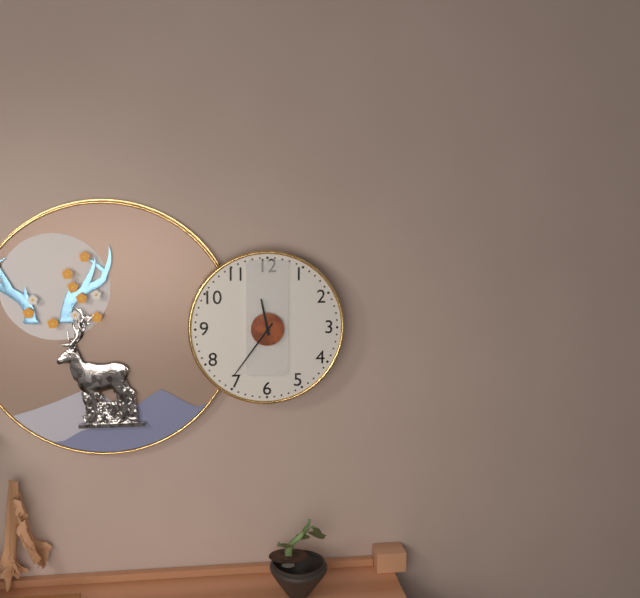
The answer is h=11 m=36
